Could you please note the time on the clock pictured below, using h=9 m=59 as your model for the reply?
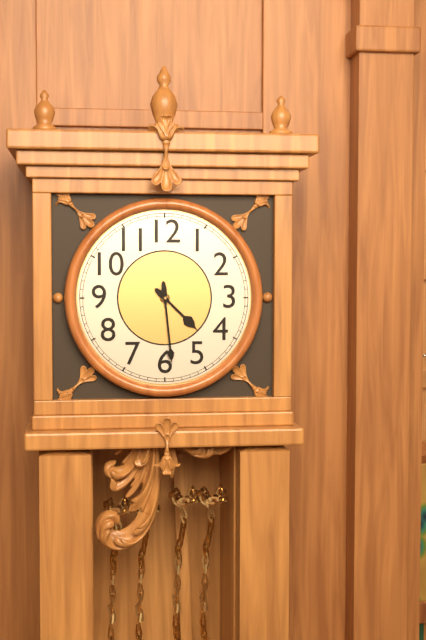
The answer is h=4 m=29
